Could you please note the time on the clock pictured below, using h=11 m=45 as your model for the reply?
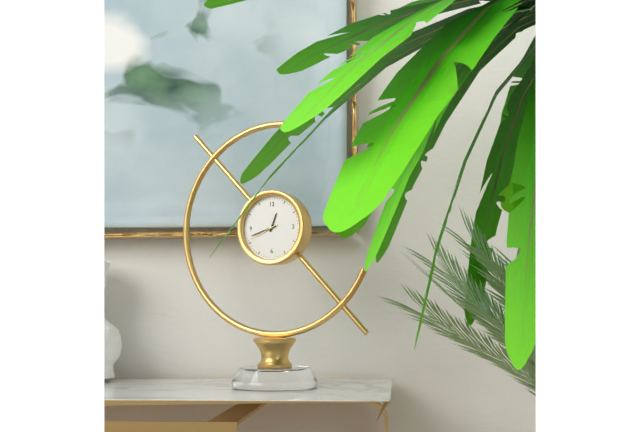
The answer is h=12 m=42
